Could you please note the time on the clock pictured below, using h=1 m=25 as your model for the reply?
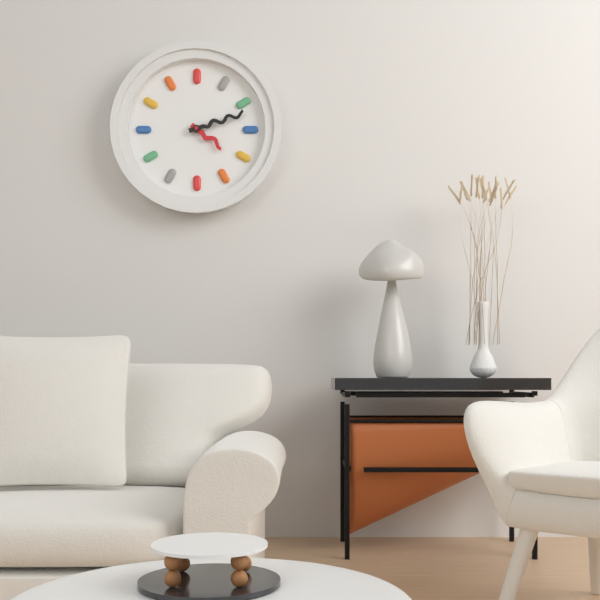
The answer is h=4 m=12
